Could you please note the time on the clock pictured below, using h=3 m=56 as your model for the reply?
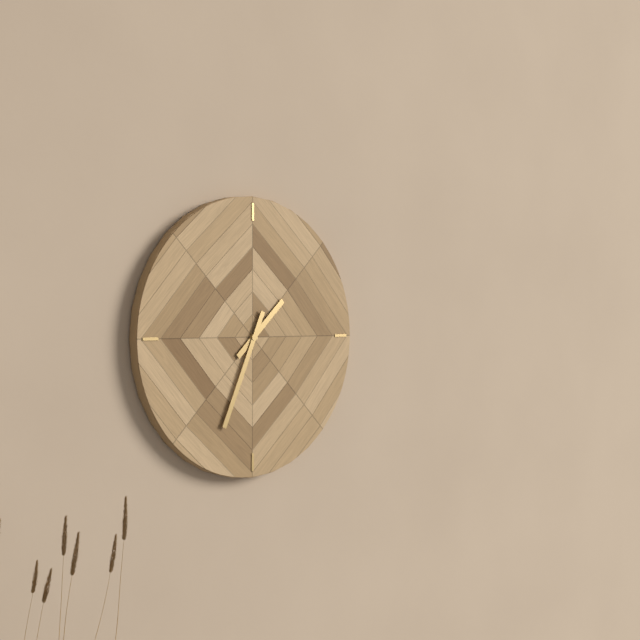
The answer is h=1 m=34
